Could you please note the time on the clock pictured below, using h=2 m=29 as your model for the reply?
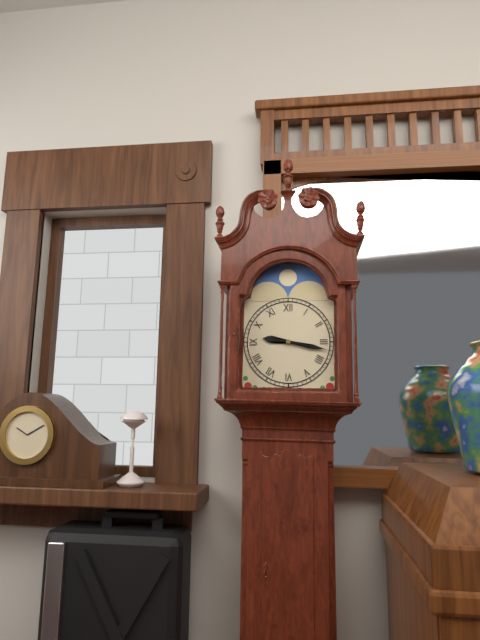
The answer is h=9 m=17
